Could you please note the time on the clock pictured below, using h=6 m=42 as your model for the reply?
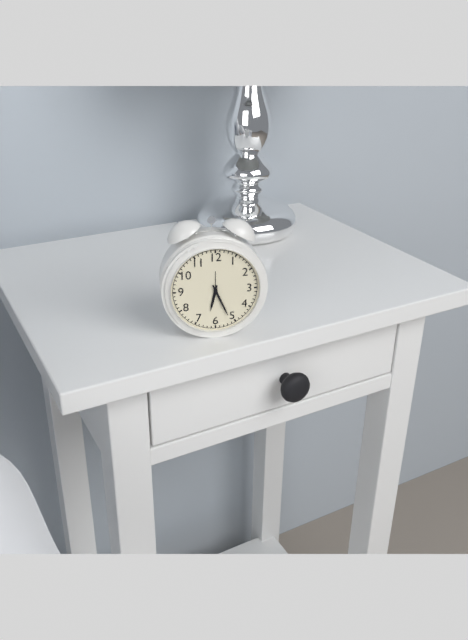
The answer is h=6 m=26
